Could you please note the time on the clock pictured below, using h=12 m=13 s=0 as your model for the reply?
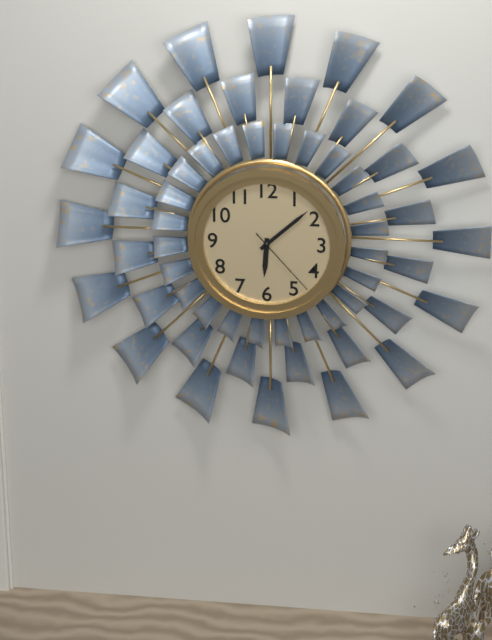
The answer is h=6 m=8 s=23
